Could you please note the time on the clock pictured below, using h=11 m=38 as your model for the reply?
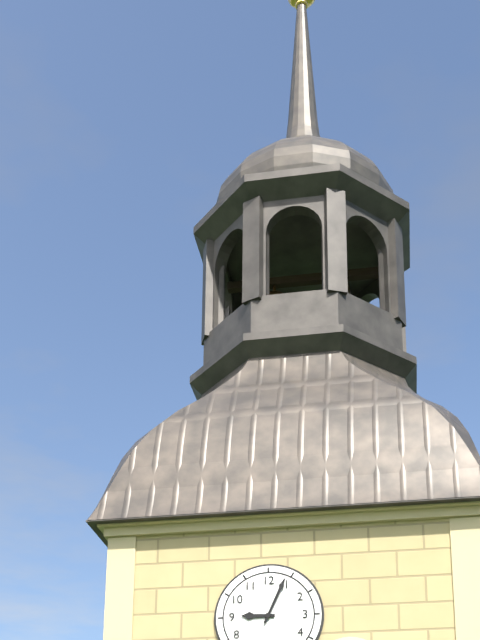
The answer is h=9 m=4
